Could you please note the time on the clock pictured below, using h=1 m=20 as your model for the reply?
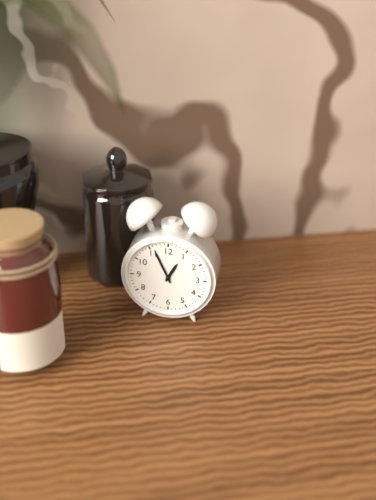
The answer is h=12 m=56
